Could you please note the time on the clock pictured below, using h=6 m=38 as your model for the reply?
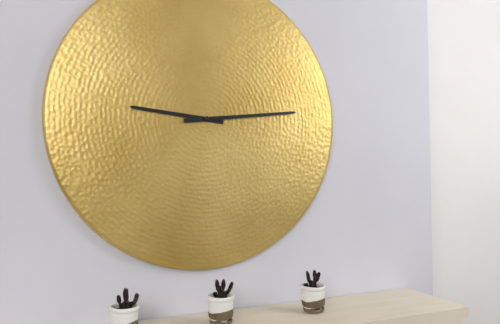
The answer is h=9 m=14
